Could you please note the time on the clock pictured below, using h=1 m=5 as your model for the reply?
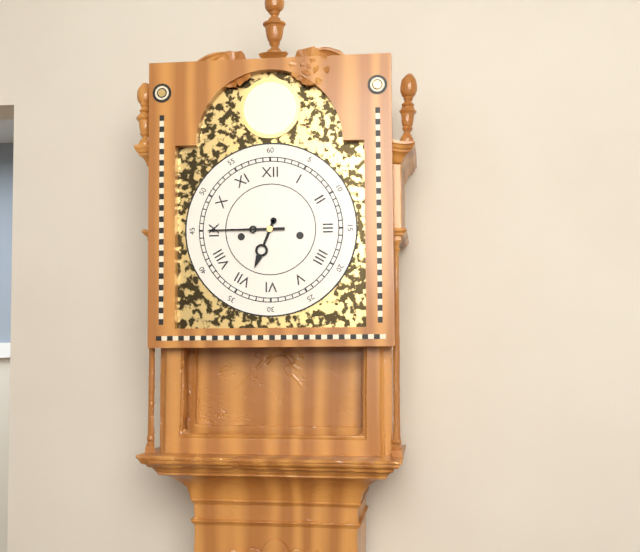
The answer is h=6 m=45
